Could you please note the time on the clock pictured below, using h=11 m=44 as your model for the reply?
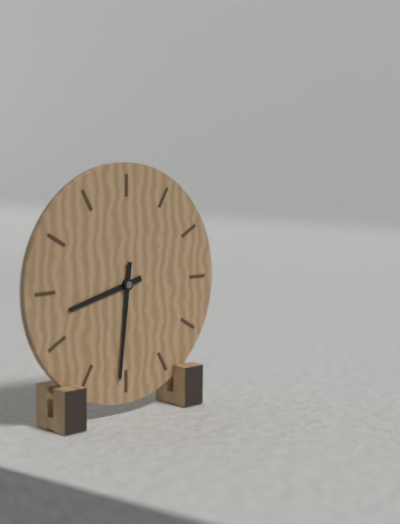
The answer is h=8 m=31
